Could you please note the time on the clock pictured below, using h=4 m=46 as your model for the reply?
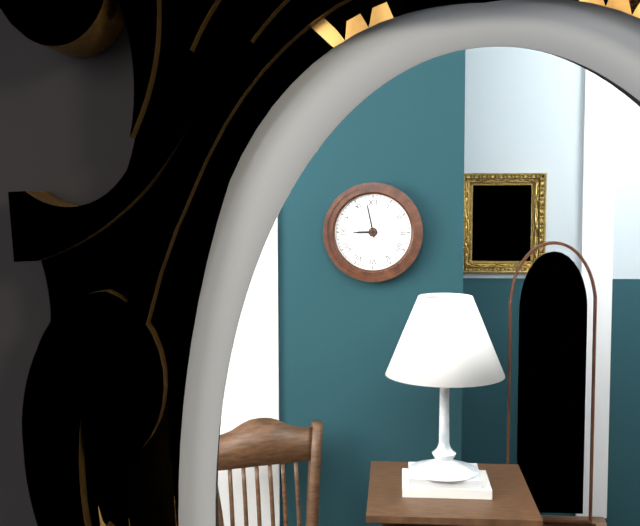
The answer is h=8 m=58
